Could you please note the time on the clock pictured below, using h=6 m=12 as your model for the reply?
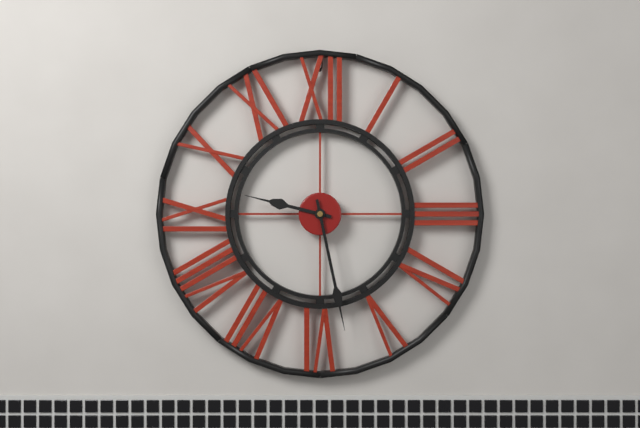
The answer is h=9 m=28
